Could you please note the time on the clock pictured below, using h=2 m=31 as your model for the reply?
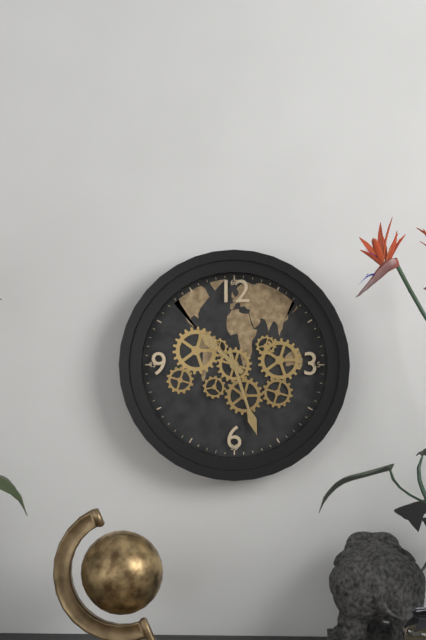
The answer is h=10 m=27
